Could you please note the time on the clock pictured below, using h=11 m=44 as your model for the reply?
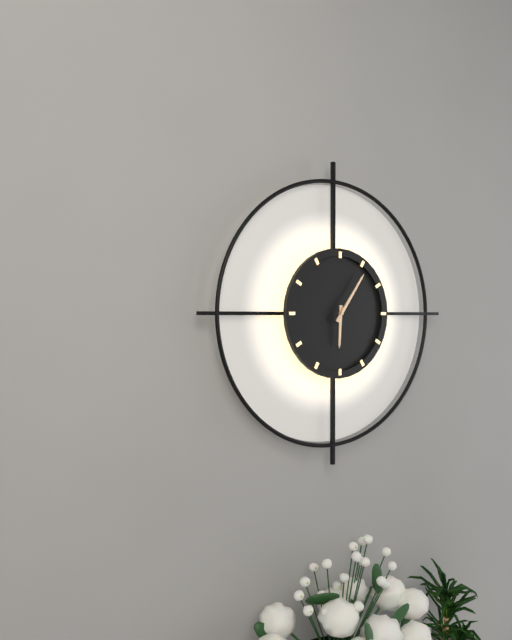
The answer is h=6 m=6
